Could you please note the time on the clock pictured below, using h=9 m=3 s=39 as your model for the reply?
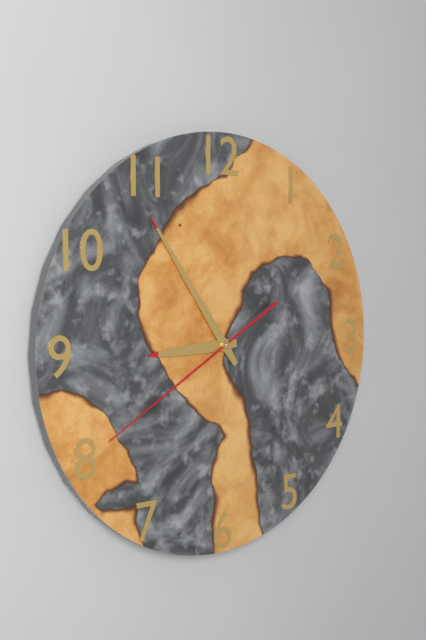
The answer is h=8 m=54 s=40
